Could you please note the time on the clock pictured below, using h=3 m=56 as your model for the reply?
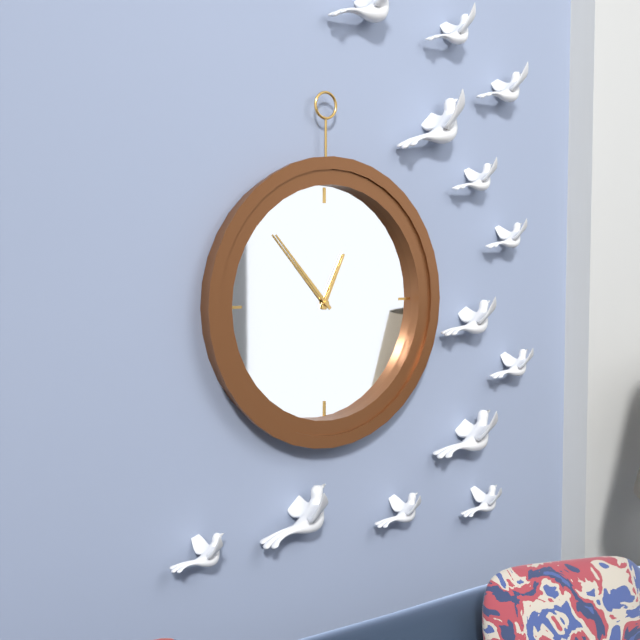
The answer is h=12 m=53
